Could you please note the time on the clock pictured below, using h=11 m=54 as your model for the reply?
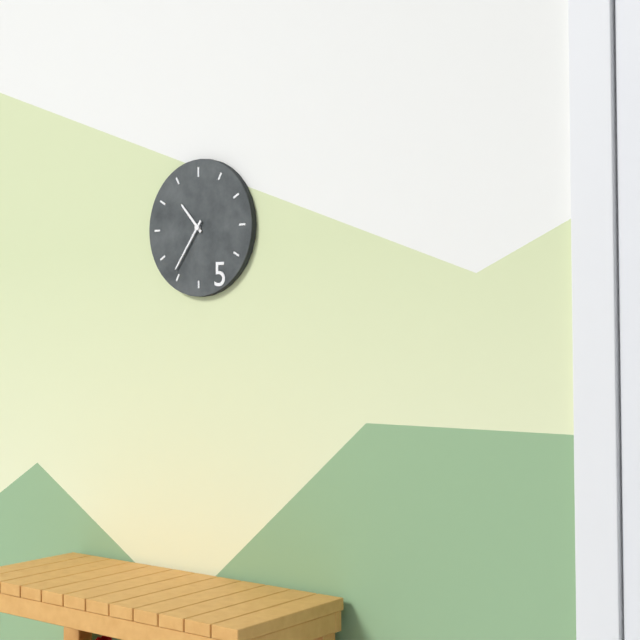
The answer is h=10 m=36
